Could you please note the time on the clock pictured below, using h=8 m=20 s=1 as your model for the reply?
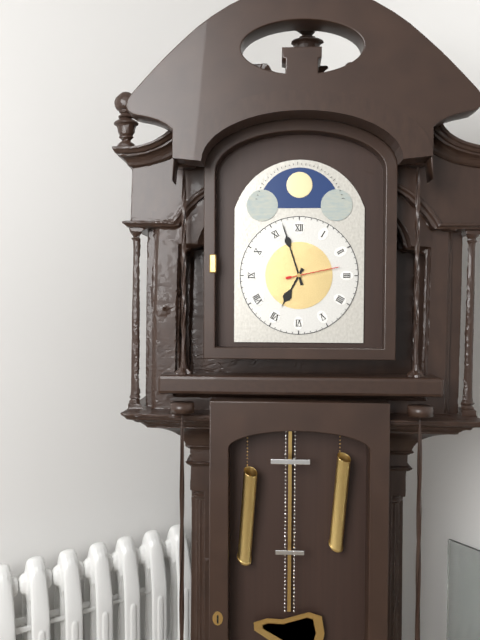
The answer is h=6 m=57 s=13
